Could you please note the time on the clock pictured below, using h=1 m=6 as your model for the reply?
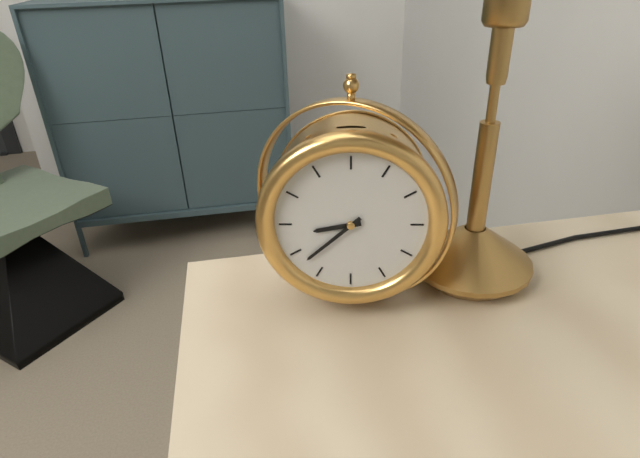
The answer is h=8 m=38
